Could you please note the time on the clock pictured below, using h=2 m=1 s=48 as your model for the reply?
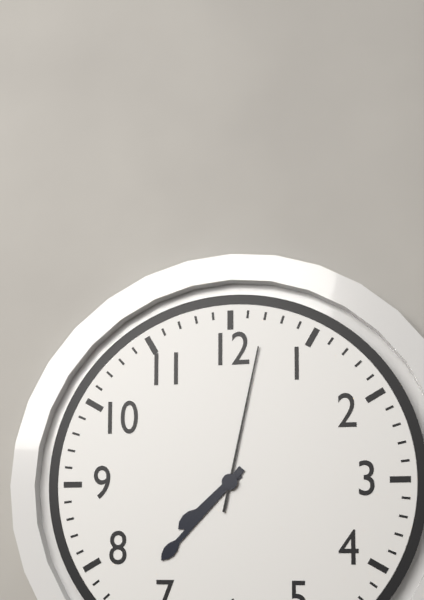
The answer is h=7 m=37 s=2
